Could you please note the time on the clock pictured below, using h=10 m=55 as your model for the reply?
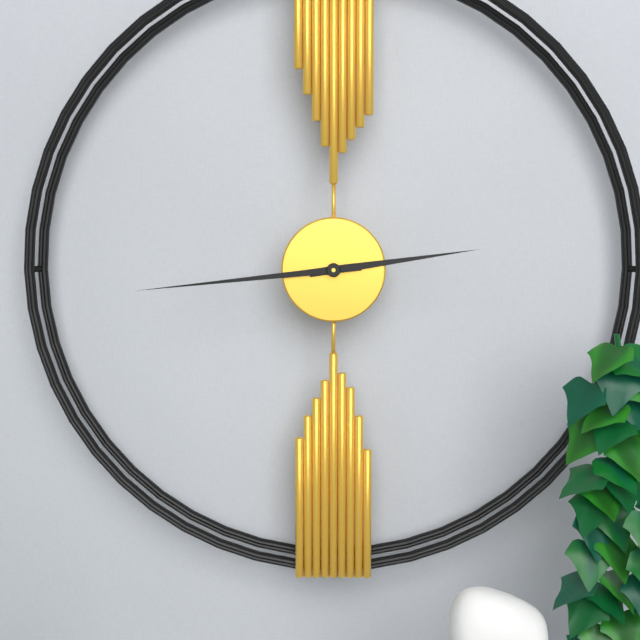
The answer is h=2 m=44
